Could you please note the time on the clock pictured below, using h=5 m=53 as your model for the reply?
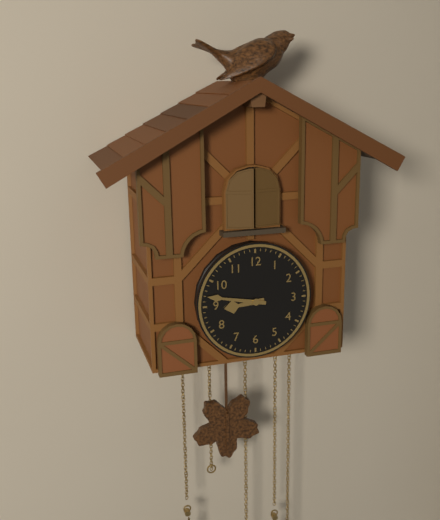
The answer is h=8 m=47
